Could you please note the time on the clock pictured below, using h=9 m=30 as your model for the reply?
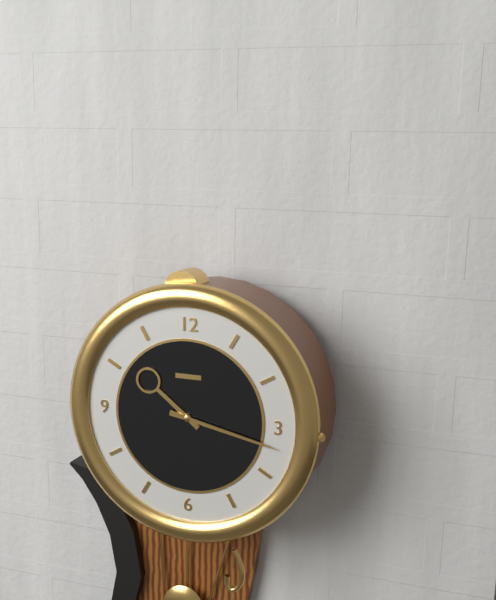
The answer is h=10 m=17
